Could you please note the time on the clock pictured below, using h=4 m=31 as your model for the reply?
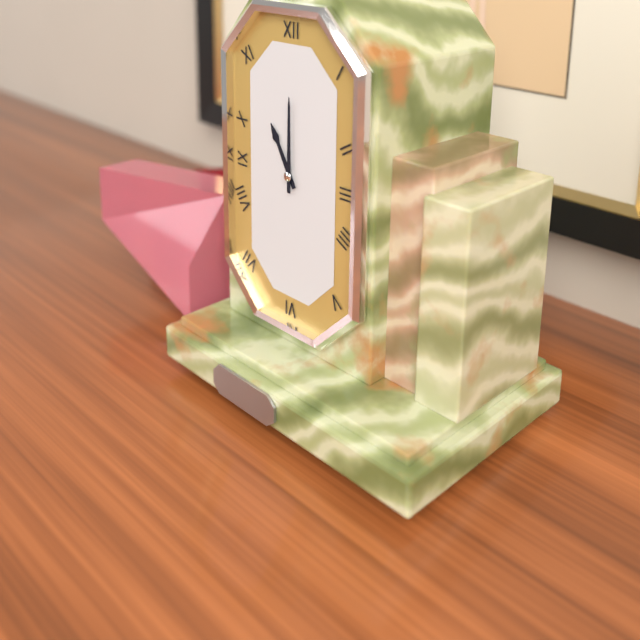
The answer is h=11 m=0
